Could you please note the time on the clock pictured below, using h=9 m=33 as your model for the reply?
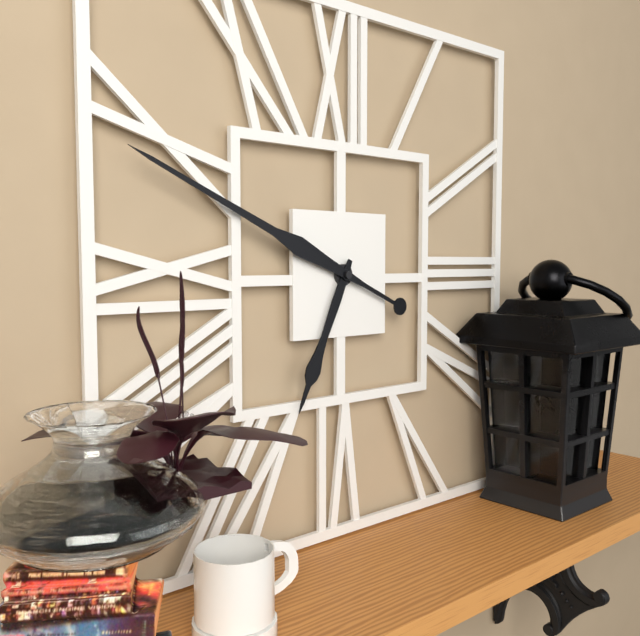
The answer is h=6 m=49
